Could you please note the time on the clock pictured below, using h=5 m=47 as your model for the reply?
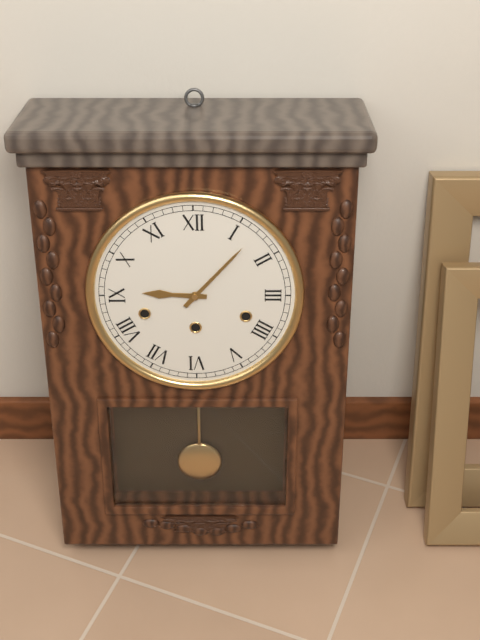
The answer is h=9 m=7
